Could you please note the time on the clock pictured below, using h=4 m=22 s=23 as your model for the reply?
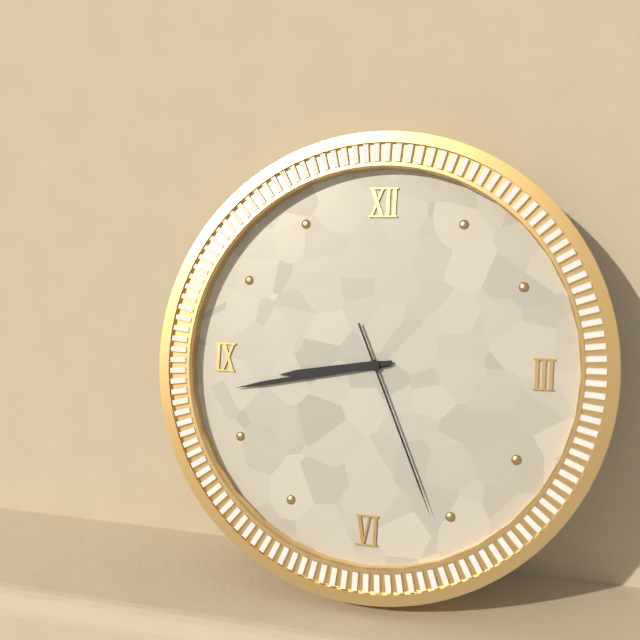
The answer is h=8 m=43 s=26
